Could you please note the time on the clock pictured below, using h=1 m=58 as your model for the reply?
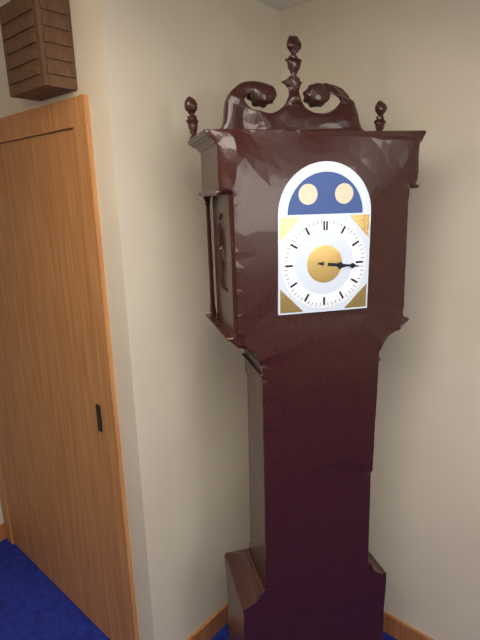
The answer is h=3 m=16
